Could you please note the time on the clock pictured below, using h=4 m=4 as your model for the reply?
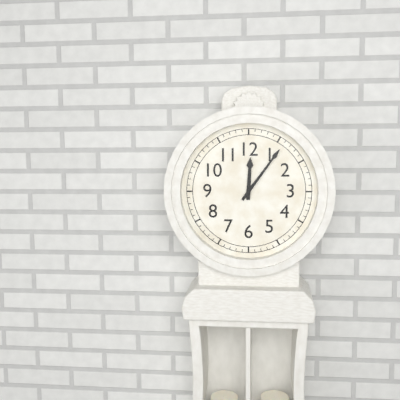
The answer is h=12 m=6
